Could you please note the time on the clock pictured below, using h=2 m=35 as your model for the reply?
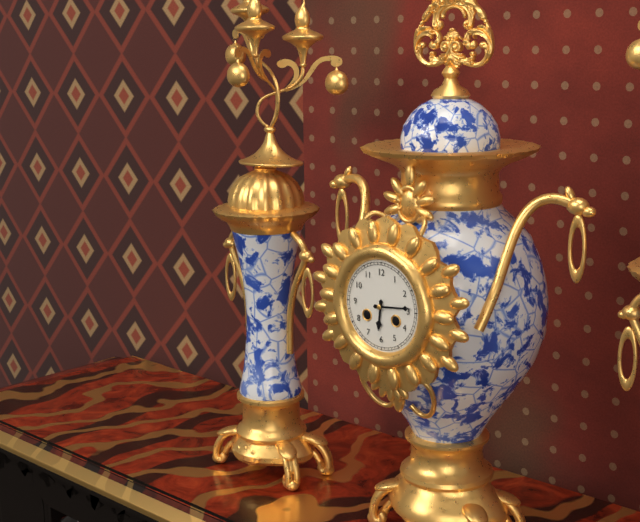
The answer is h=6 m=14
